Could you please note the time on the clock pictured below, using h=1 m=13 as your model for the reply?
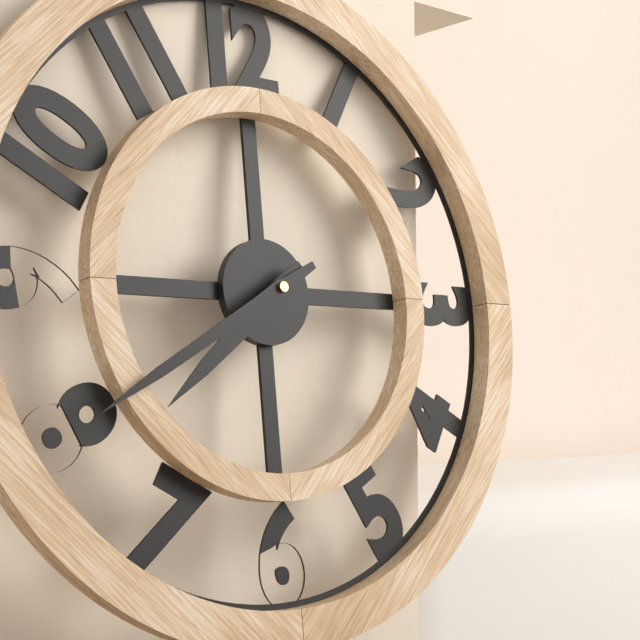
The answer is h=7 m=40
